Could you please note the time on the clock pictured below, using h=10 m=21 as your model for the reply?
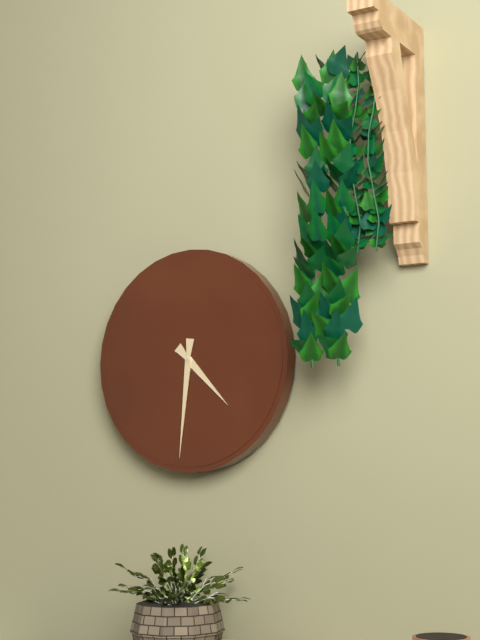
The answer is h=4 m=31
